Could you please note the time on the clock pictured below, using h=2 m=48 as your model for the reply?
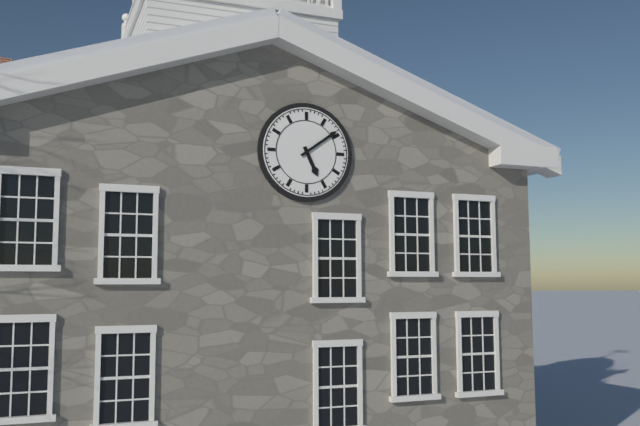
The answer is h=5 m=9
